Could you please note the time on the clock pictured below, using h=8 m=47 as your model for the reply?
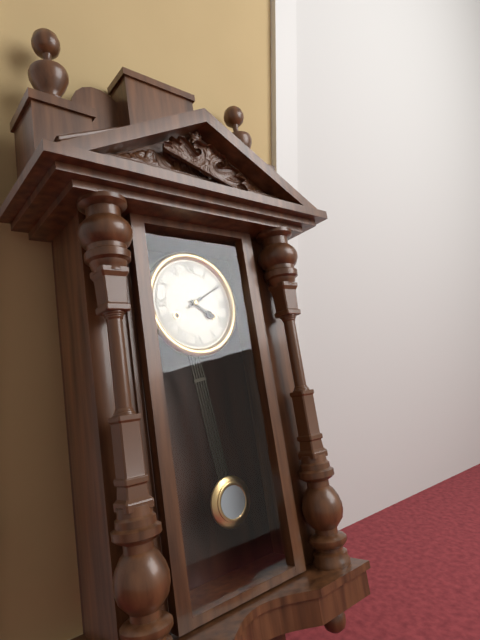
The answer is h=4 m=10
